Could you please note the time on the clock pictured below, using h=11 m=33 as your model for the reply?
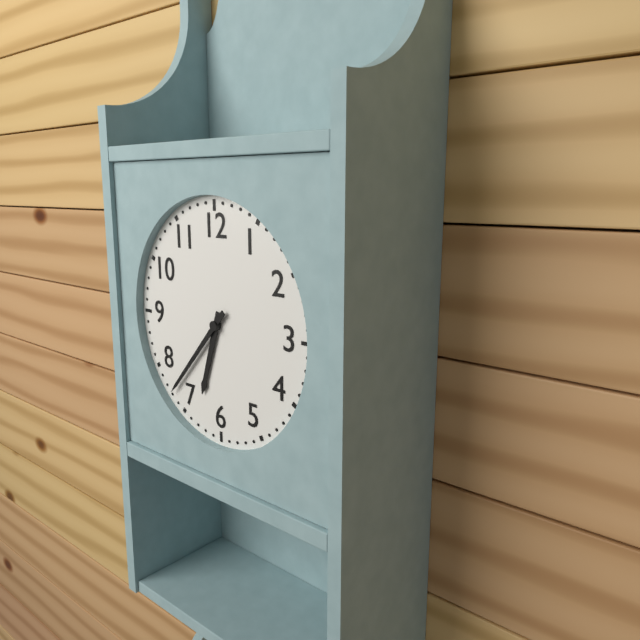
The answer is h=6 m=37
